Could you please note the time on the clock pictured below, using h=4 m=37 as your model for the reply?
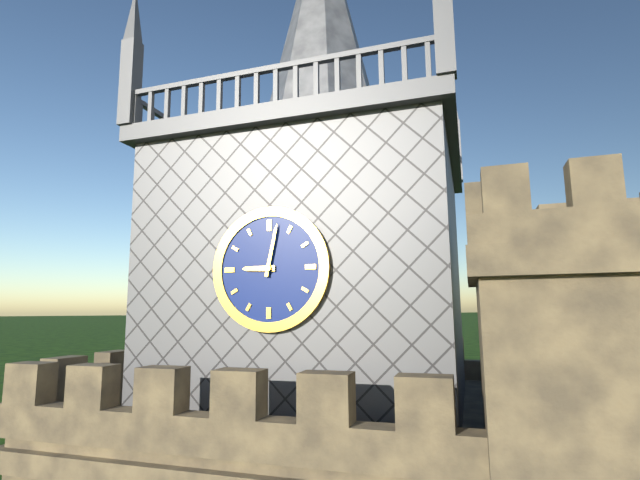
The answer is h=9 m=2
